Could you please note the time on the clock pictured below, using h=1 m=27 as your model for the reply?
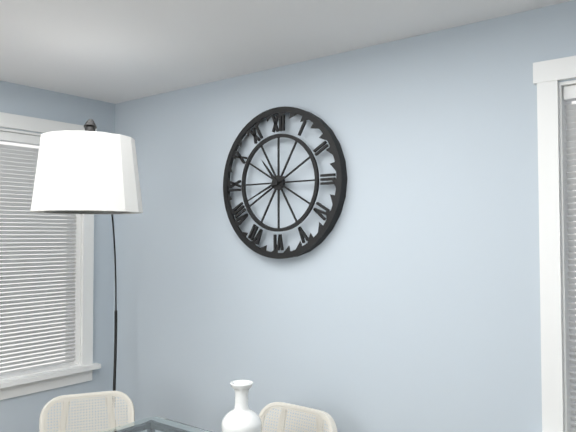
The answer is h=10 m=41
